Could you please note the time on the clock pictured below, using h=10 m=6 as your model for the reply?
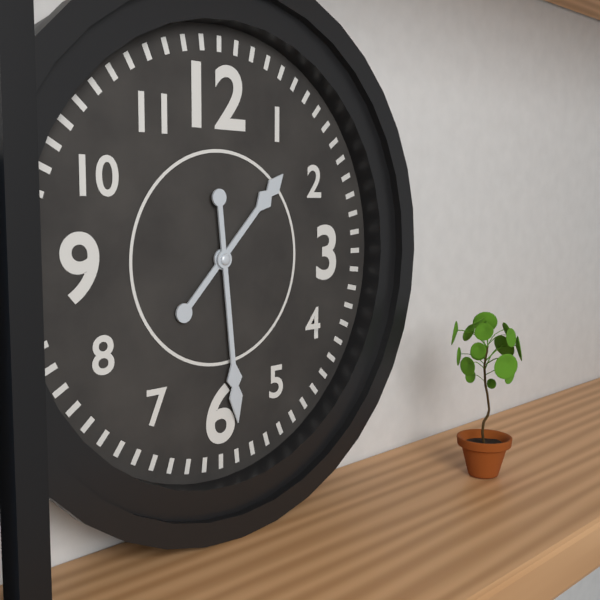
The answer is h=1 m=29
